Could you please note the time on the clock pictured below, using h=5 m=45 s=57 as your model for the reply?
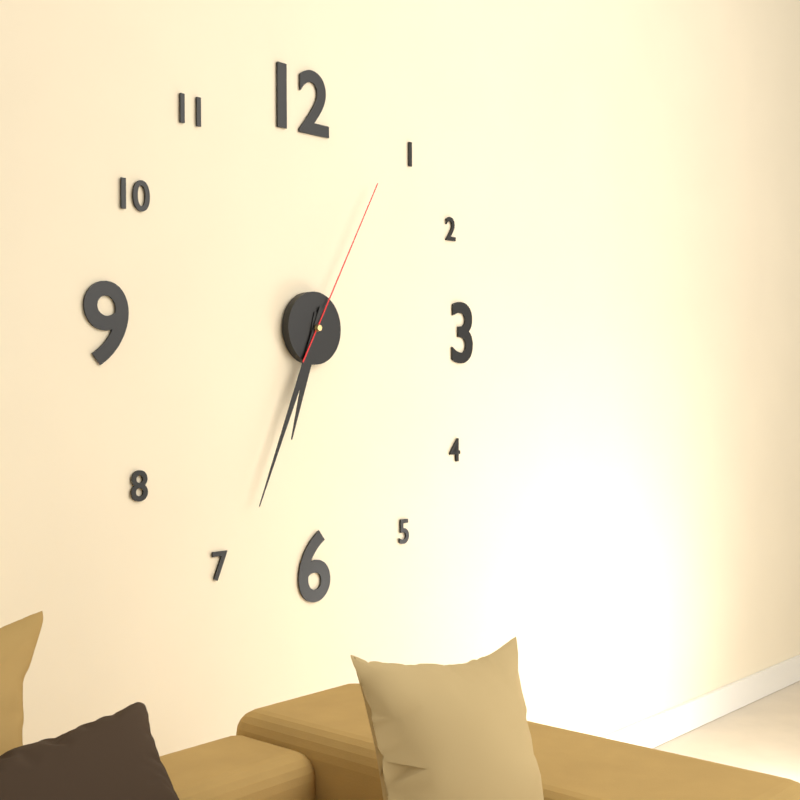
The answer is h=6 m=34 s=5
